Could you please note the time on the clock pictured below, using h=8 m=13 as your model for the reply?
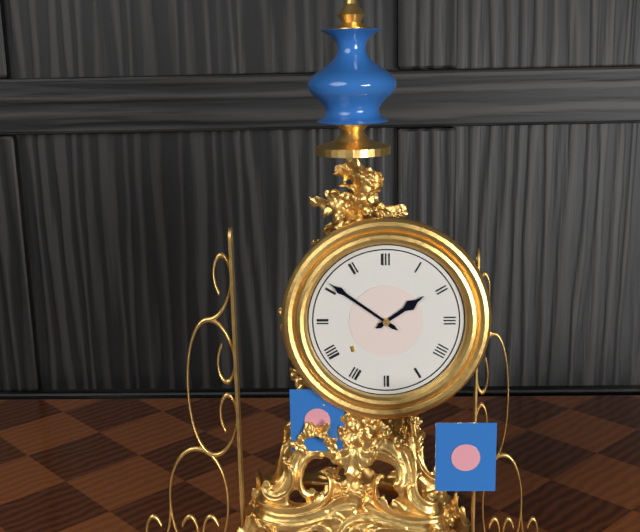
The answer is h=1 m=51
